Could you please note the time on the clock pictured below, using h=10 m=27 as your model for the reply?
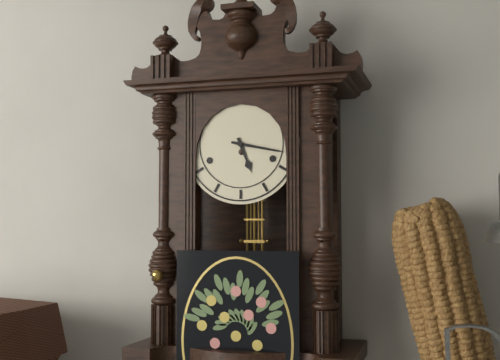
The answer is h=5 m=17
